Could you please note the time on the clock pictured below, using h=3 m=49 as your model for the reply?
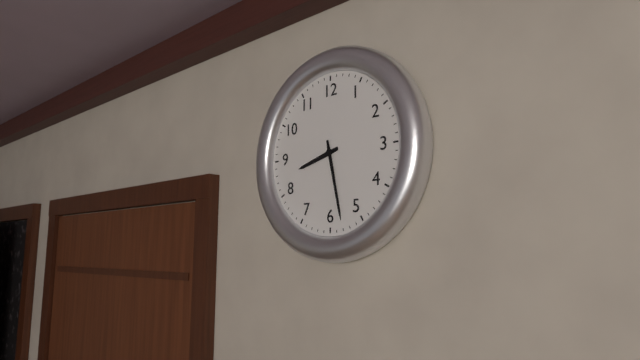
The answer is h=8 m=28
